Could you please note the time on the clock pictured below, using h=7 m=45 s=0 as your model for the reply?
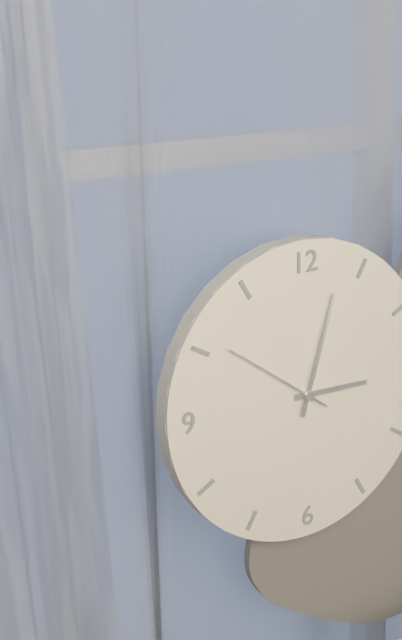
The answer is h=3 m=3 s=51
